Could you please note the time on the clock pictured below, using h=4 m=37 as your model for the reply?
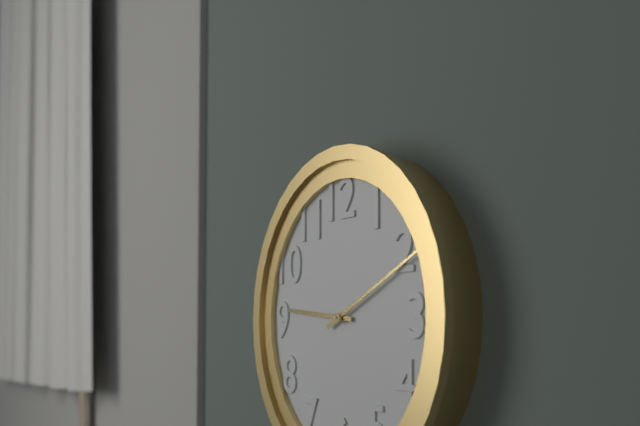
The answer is h=9 m=11
